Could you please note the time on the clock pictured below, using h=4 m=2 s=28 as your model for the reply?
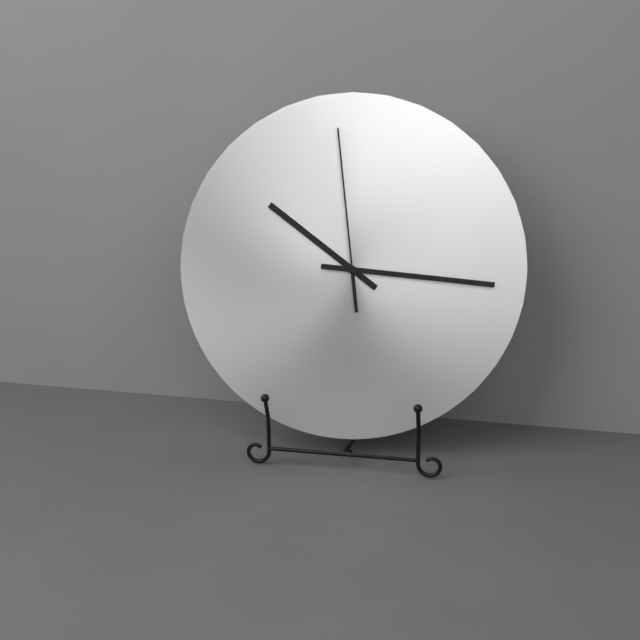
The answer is h=10 m=16 s=59
